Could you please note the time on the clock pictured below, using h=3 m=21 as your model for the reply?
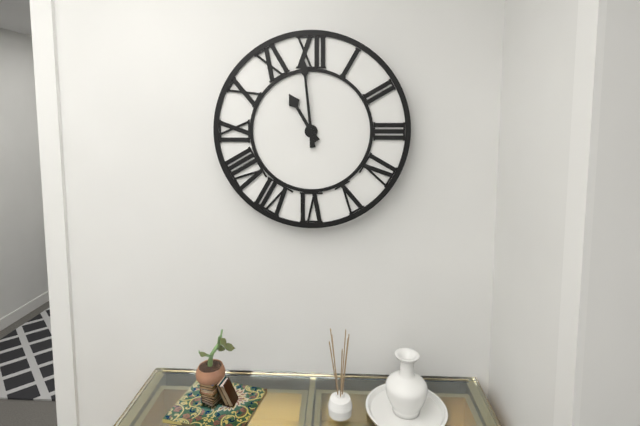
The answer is h=10 m=59
